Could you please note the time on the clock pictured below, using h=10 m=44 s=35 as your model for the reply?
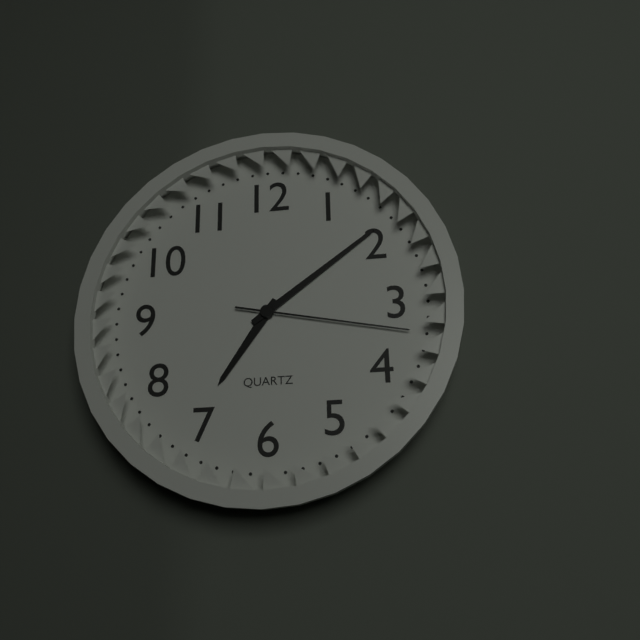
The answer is h=7 m=9 s=17
